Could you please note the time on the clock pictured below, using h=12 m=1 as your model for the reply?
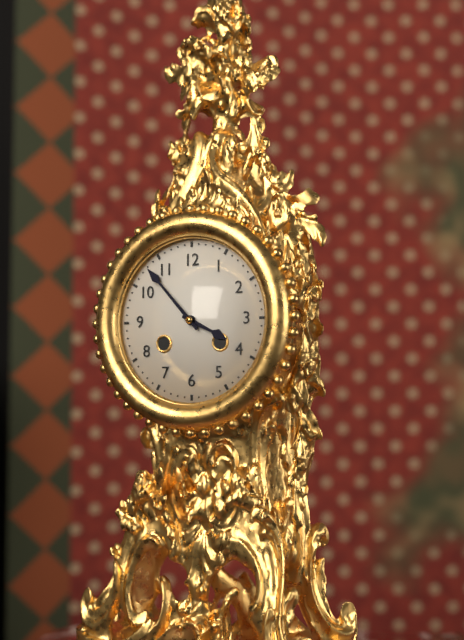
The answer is h=3 m=53
